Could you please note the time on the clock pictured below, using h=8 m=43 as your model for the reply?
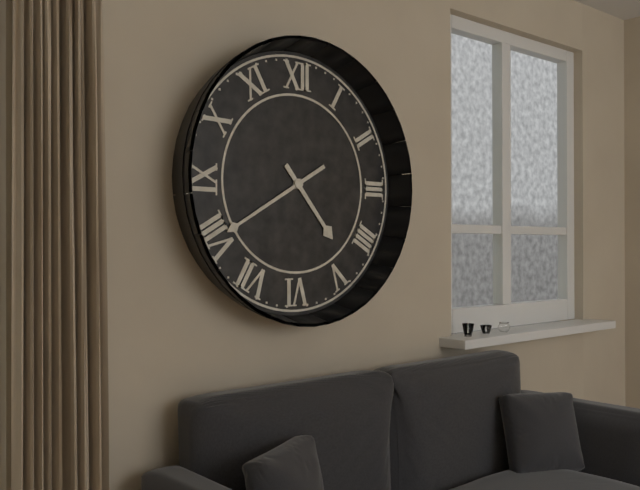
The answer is h=4 m=40
